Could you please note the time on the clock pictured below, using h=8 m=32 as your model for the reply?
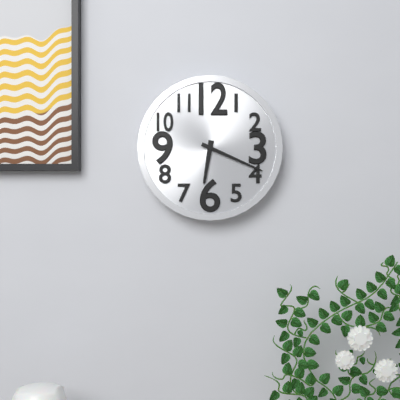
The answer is h=6 m=19
